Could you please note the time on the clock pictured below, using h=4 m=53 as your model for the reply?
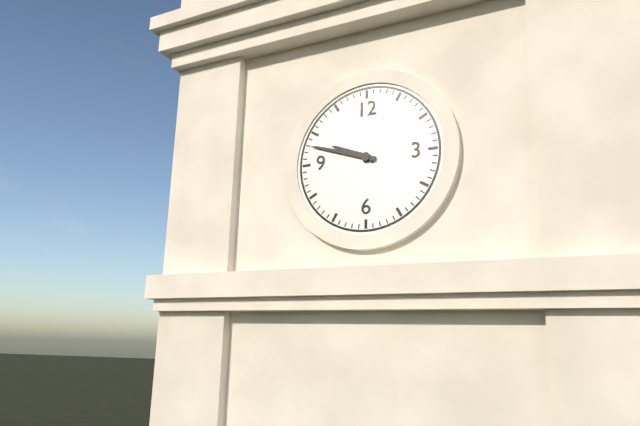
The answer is h=9 m=48
